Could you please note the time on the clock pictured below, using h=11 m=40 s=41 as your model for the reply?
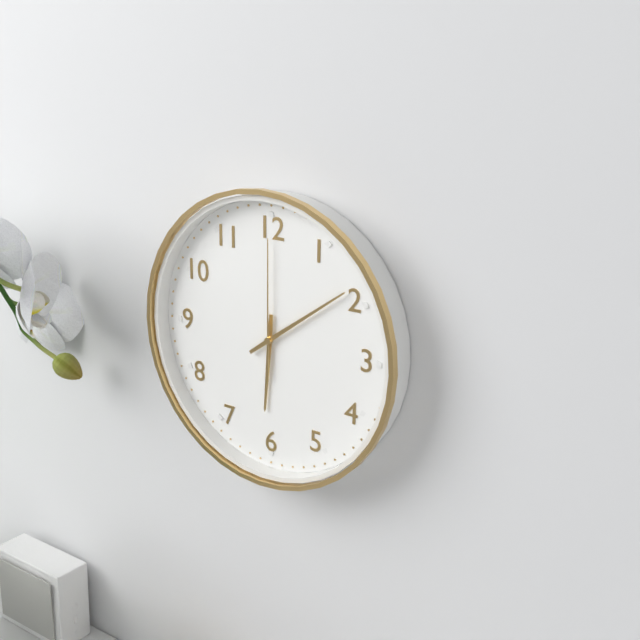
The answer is h=6 m=9 s=0
